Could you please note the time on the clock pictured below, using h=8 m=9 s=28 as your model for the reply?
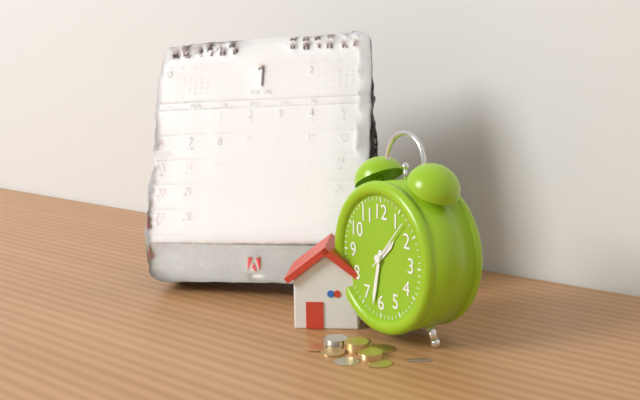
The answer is h=1 m=32 s=7
